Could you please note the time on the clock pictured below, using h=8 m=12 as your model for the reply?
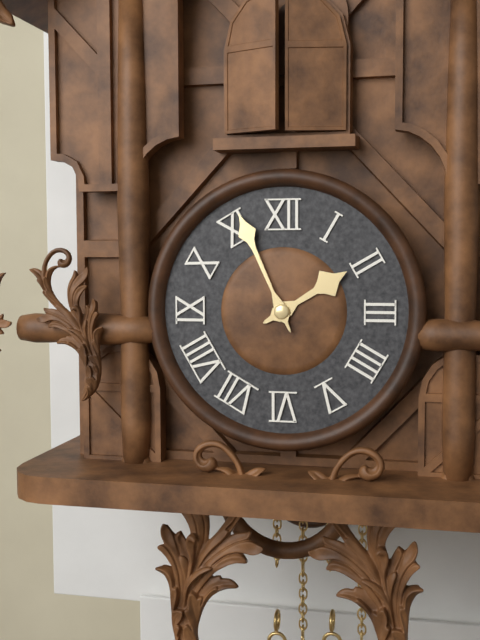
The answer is h=1 m=56
